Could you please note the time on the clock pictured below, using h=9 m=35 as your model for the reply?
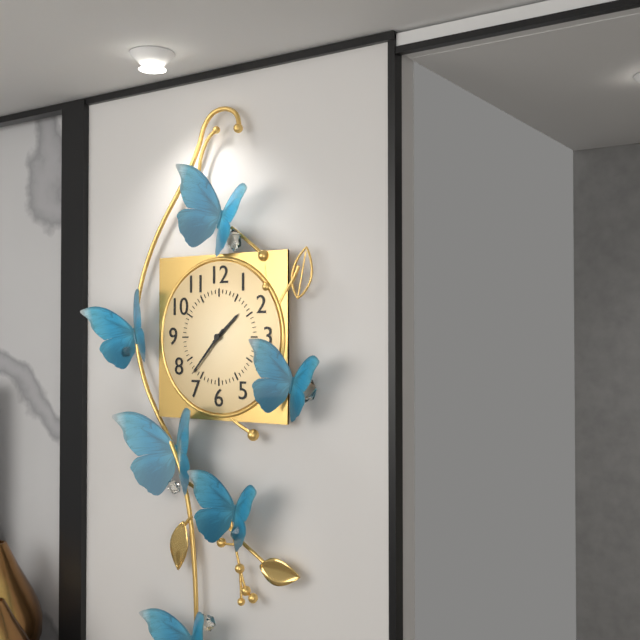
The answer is h=1 m=37
